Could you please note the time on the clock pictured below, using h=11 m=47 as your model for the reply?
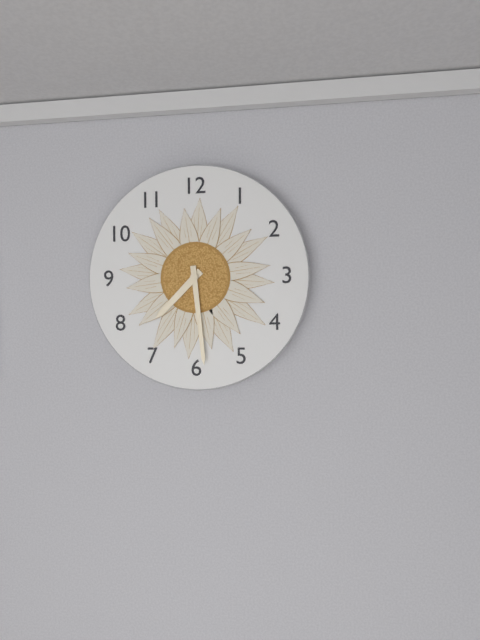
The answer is h=7 m=29
